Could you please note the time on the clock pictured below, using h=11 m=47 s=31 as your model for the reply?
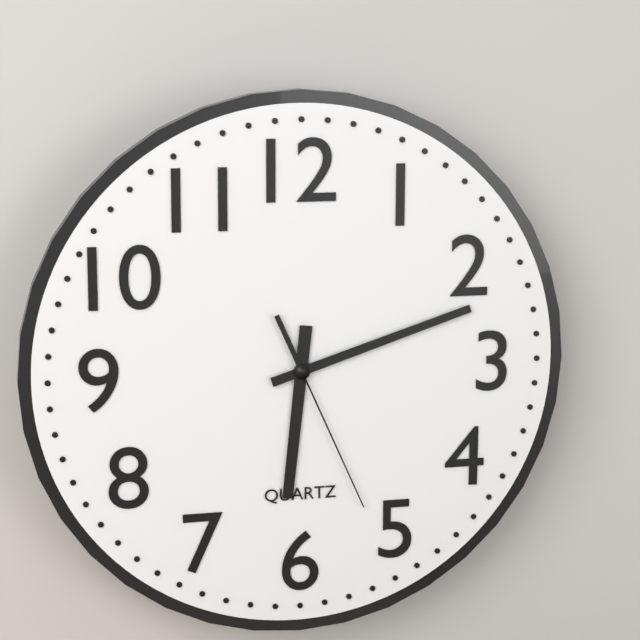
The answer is h=6 m=12 s=26
